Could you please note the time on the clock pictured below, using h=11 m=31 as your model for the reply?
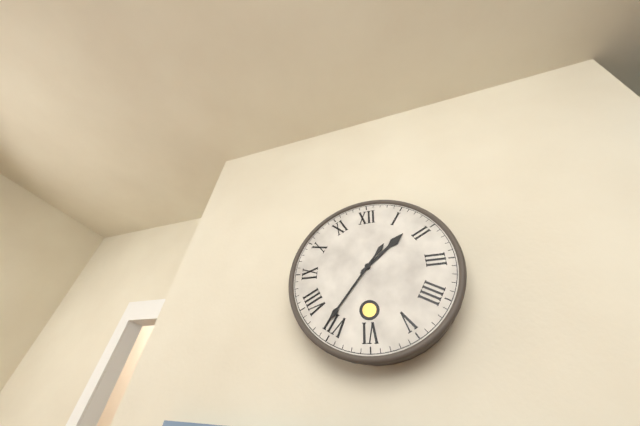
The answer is h=1 m=36
